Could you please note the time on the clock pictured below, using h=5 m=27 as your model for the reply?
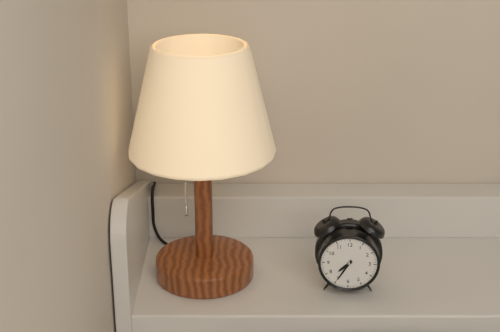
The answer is h=7 m=35
